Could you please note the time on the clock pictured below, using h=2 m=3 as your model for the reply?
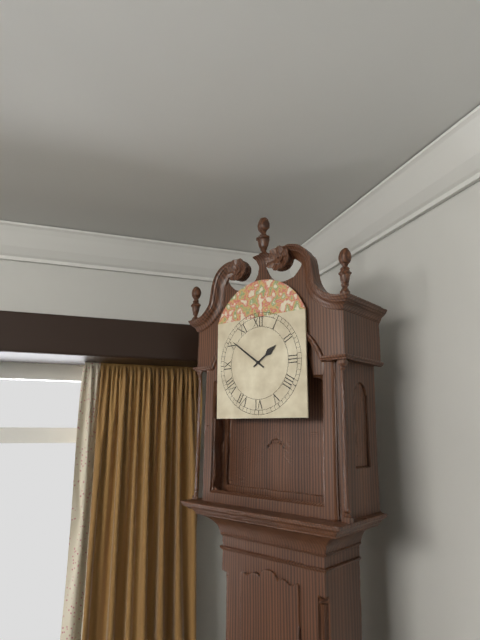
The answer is h=1 m=51
